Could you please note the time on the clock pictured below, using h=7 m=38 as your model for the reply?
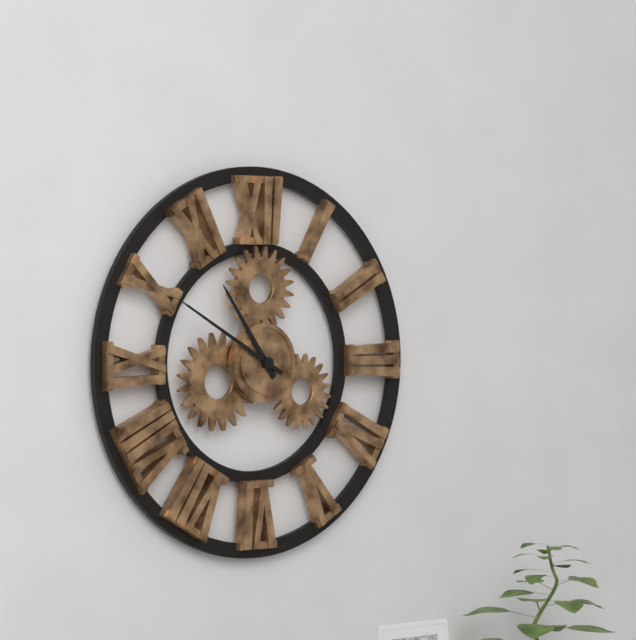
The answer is h=10 m=50
